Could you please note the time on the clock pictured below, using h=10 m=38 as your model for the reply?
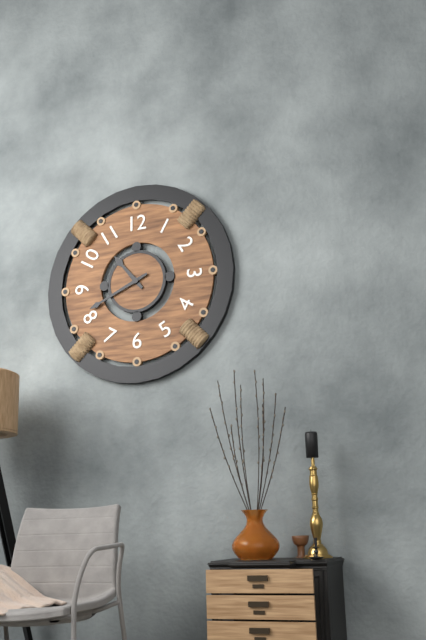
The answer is h=10 m=41
